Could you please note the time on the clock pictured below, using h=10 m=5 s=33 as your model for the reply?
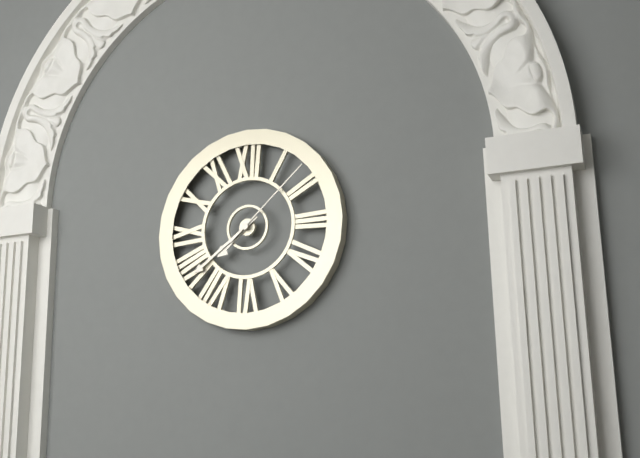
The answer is h=7 m=39 s=8
